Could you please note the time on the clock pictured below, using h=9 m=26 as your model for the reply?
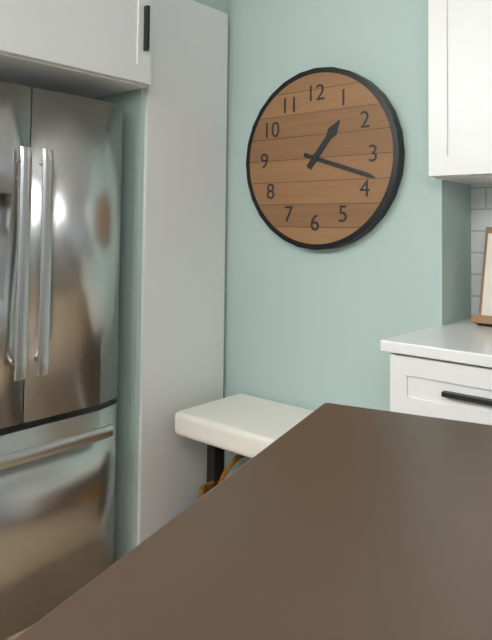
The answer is h=1 m=18
